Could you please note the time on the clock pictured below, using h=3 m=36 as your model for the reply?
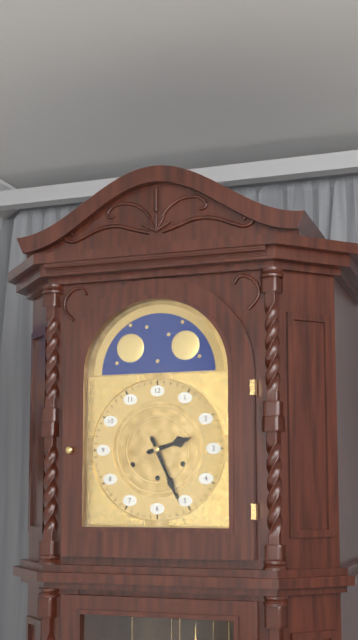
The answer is h=2 m=26
